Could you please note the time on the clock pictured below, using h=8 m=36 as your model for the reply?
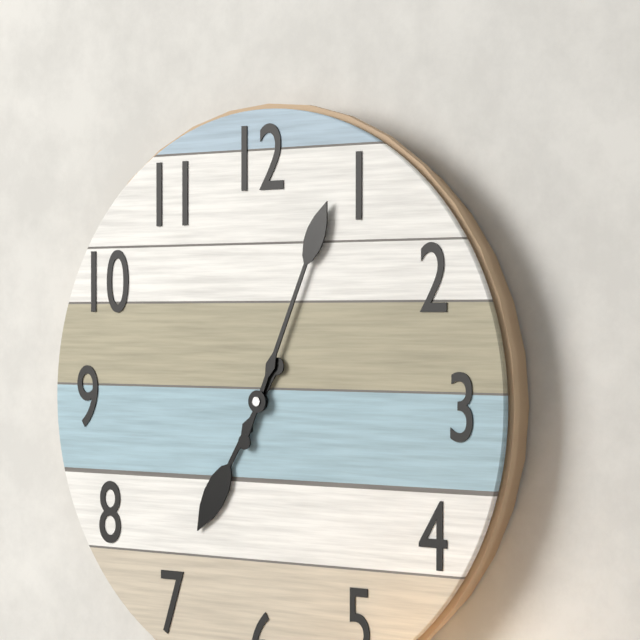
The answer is h=7 m=4
